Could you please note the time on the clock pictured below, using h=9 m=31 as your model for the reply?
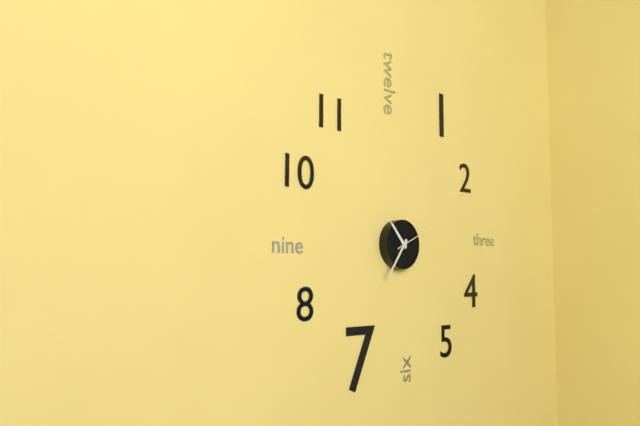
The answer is h=10 m=36
